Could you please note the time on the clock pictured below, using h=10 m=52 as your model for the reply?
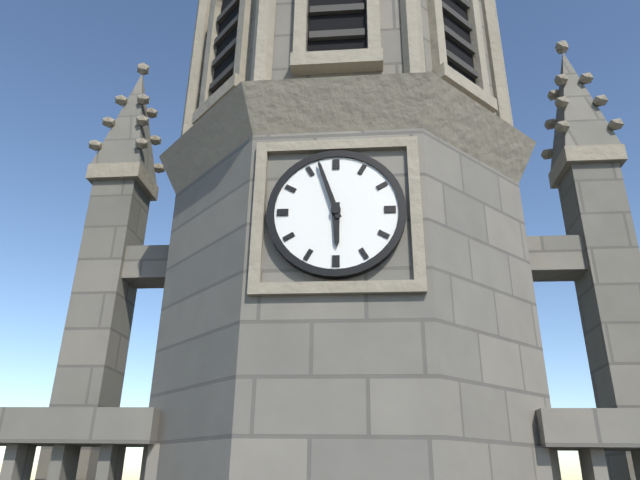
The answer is h=5 m=57
